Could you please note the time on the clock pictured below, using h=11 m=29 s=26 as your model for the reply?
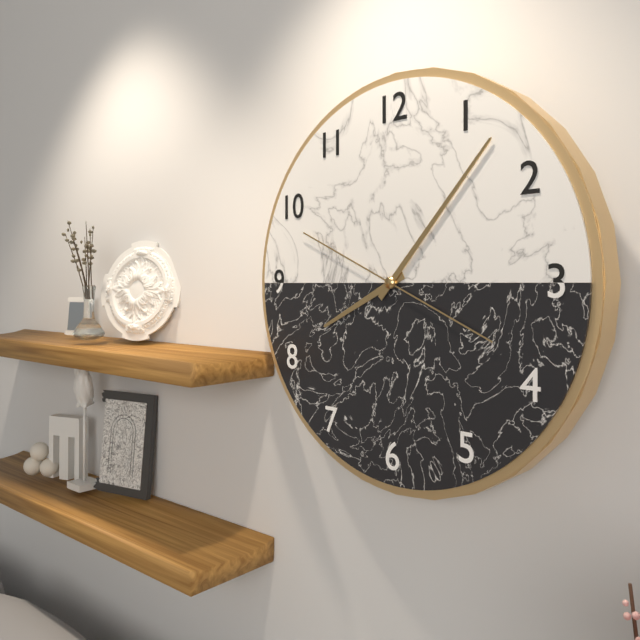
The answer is h=8 m=7 s=49
